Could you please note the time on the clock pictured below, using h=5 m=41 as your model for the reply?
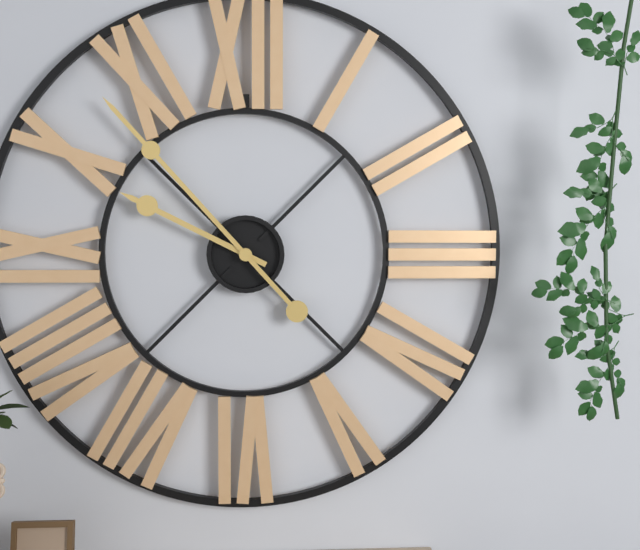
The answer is h=9 m=53
